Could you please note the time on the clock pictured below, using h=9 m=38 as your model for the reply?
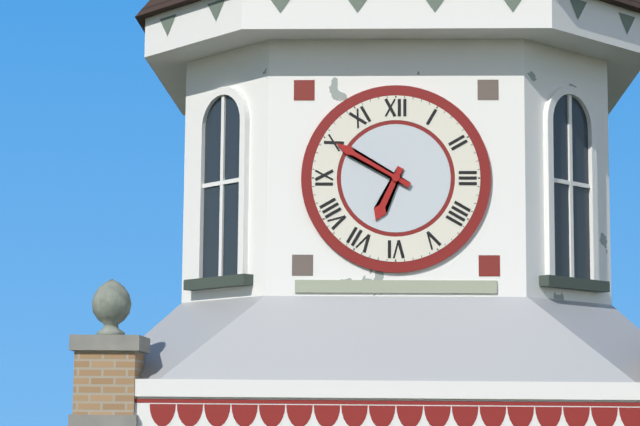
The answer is h=6 m=50
